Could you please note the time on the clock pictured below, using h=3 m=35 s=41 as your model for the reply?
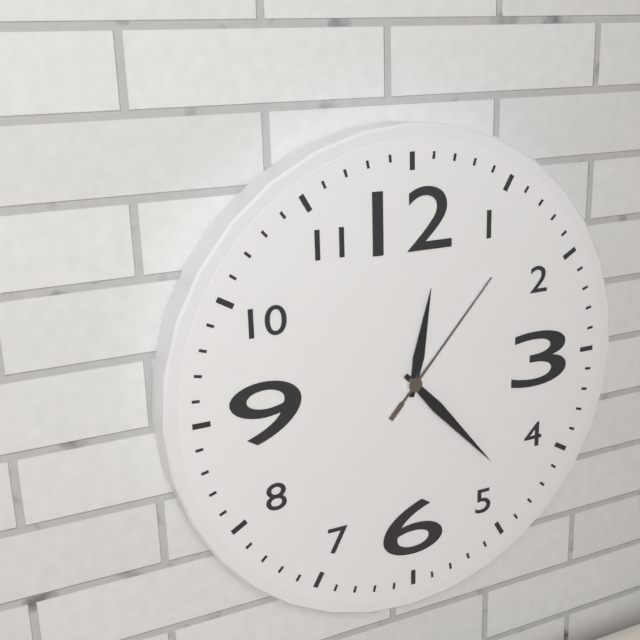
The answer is h=12 m=23 s=7
